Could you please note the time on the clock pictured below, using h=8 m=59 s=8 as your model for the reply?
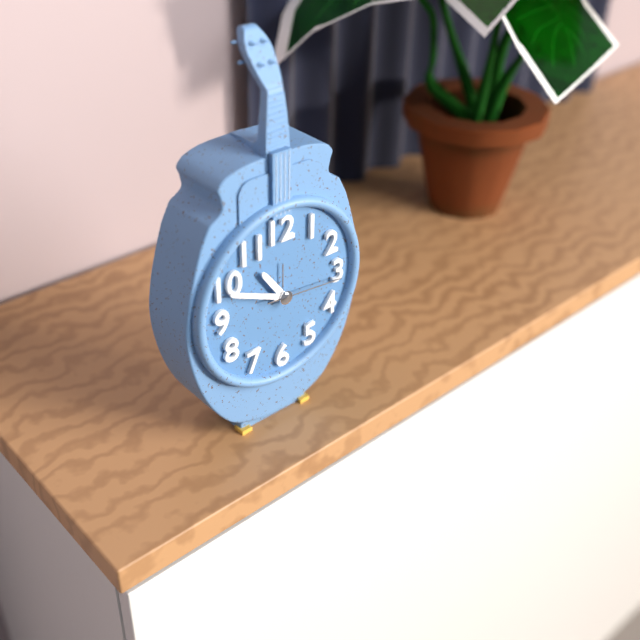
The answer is h=10 m=49 s=16
